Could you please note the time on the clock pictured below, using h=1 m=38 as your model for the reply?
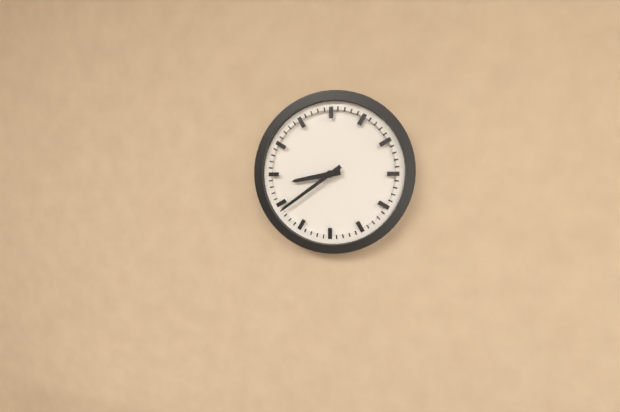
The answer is h=8 m=39
